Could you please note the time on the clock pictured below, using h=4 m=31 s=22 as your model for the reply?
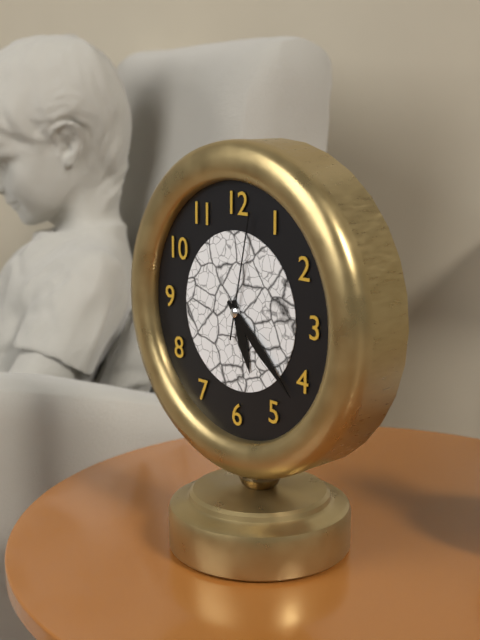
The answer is h=5 m=22 s=2
